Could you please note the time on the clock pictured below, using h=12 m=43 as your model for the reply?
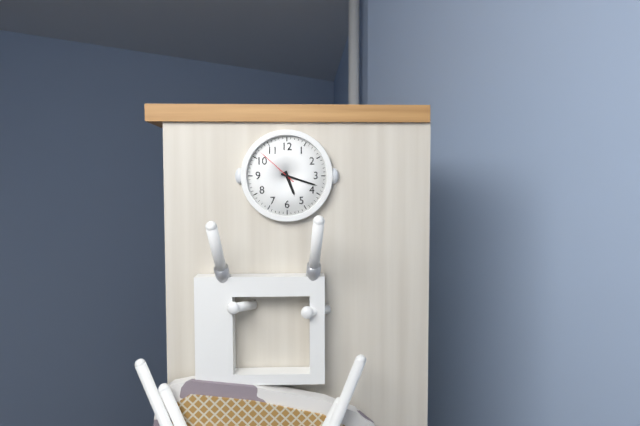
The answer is h=5 m=18
